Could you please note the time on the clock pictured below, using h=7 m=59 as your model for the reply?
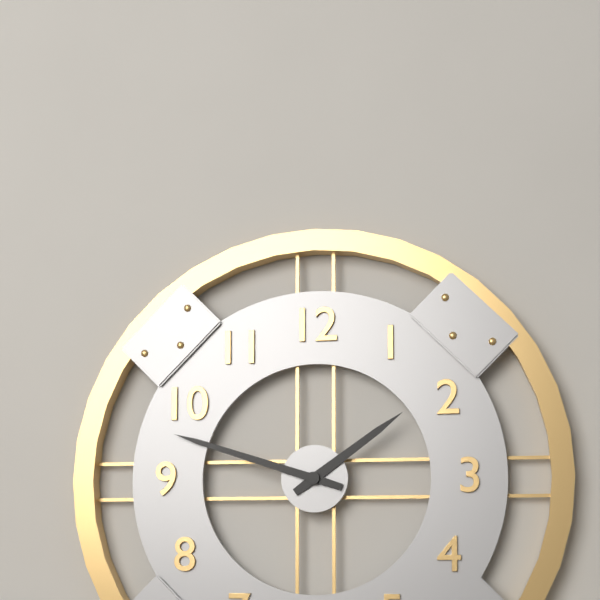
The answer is h=1 m=48
